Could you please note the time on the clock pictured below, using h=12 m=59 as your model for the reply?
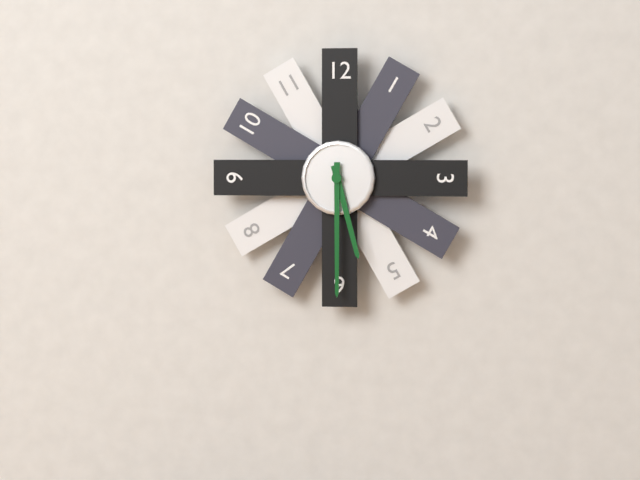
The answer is h=5 m=30
